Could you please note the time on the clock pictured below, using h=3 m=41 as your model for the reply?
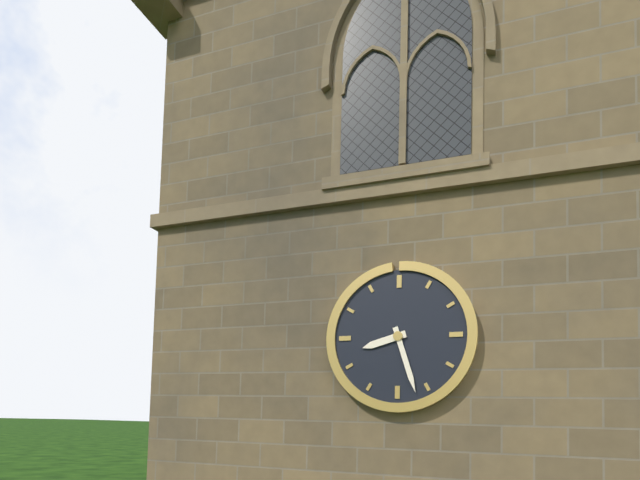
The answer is h=8 m=27
